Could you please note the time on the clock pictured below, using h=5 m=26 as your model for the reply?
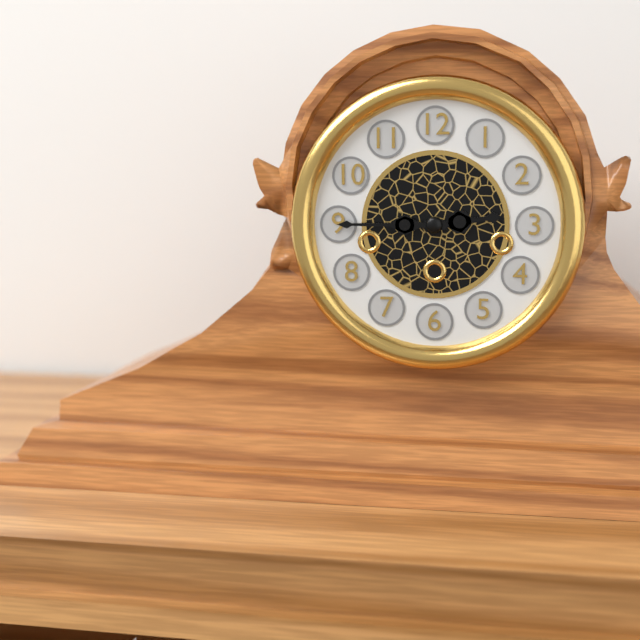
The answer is h=2 m=45
